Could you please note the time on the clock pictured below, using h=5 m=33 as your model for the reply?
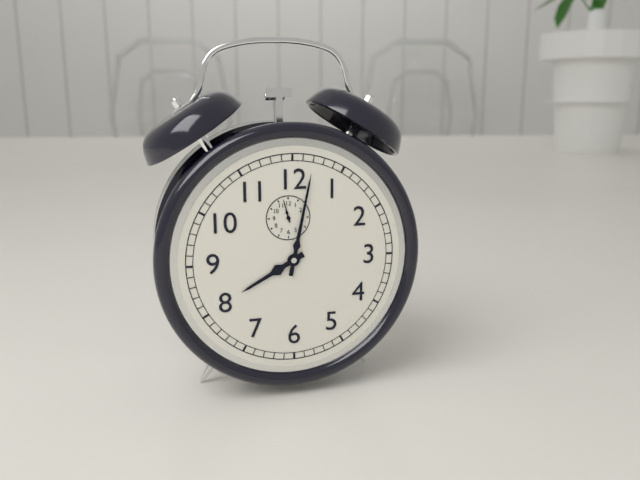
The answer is h=8 m=2
